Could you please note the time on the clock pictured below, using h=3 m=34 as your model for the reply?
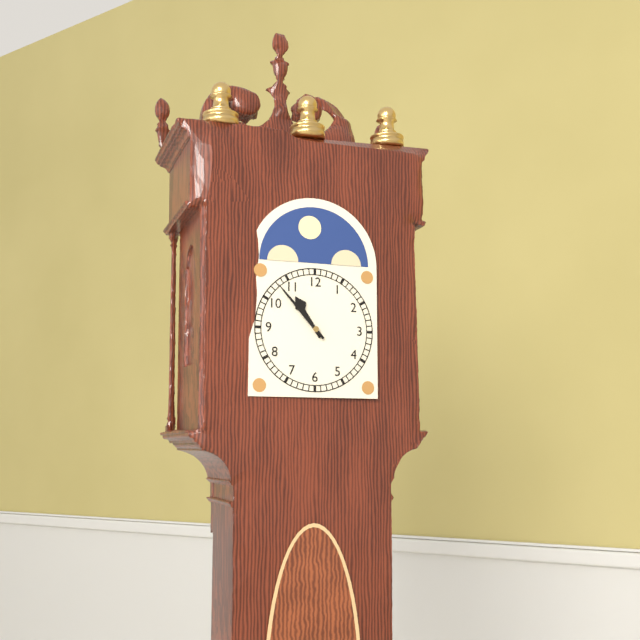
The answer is h=10 m=53
